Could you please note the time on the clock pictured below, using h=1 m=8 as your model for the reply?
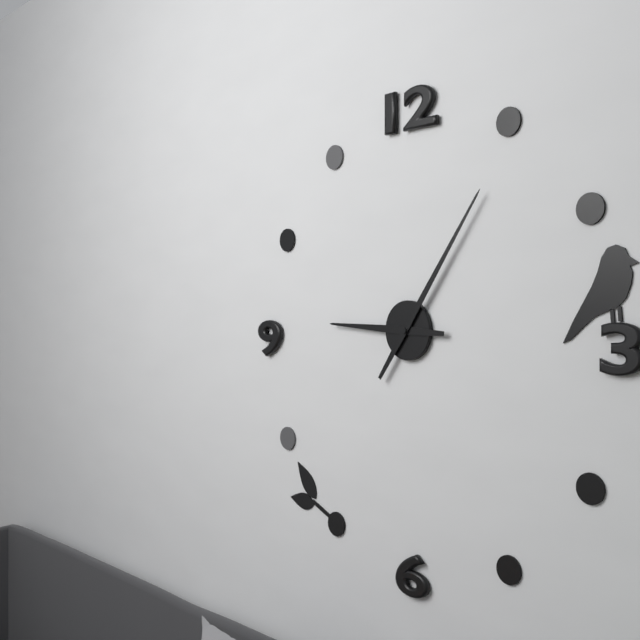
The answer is h=9 m=6
